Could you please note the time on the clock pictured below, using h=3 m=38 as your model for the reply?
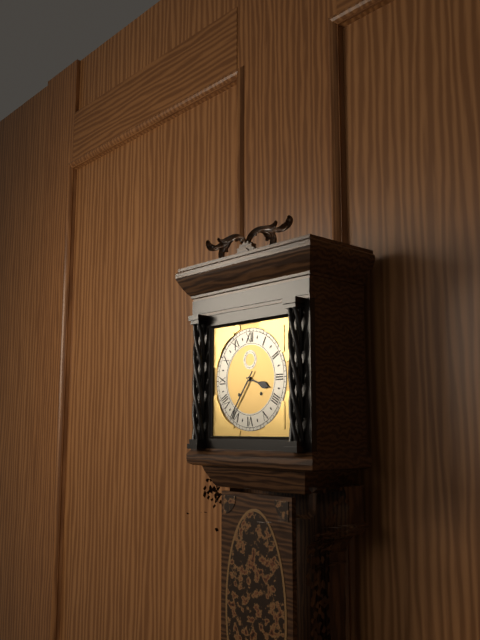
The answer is h=3 m=36
